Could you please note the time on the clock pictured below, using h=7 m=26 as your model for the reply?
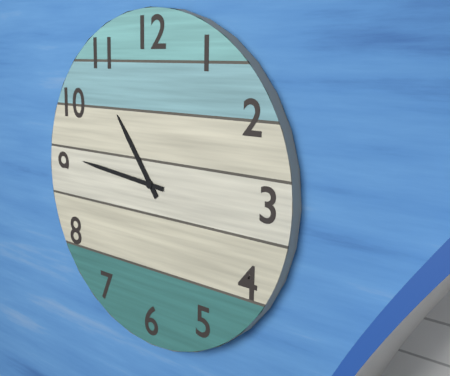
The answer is h=10 m=46
